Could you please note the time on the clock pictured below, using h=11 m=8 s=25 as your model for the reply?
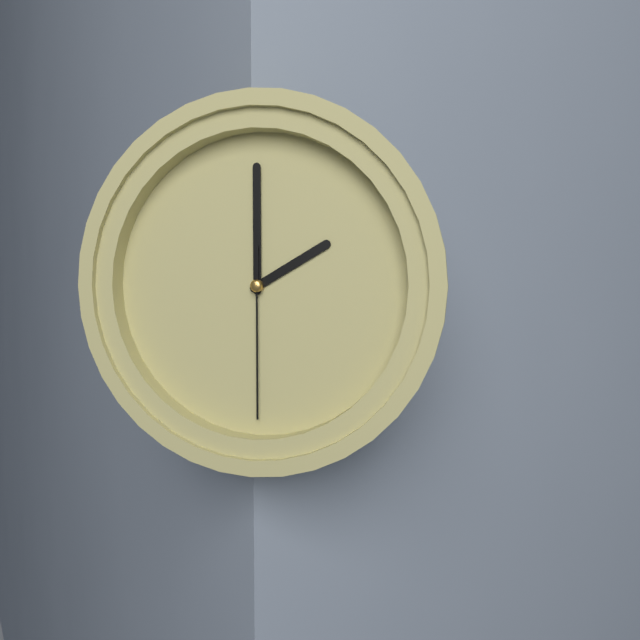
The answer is h=2 m=0 s=30
